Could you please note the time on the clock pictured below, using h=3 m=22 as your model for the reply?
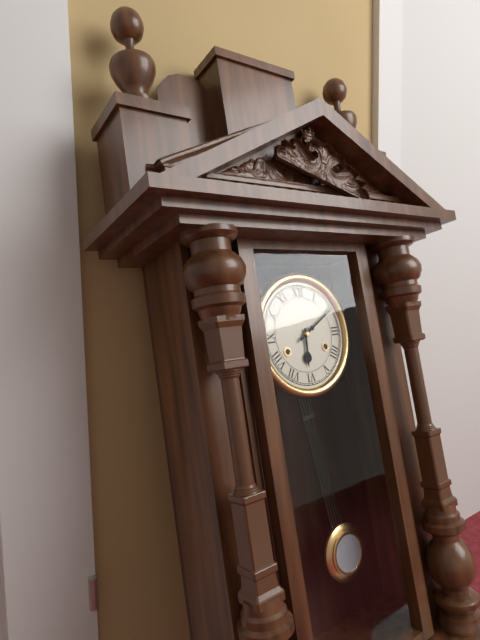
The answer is h=6 m=10
